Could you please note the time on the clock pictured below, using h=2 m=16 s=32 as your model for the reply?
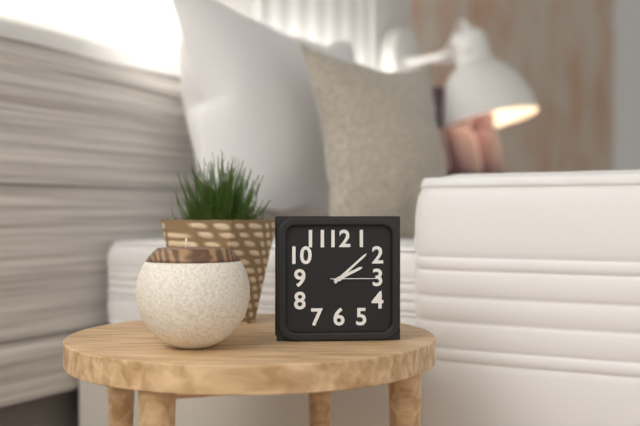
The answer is h=2 m=8 s=15
